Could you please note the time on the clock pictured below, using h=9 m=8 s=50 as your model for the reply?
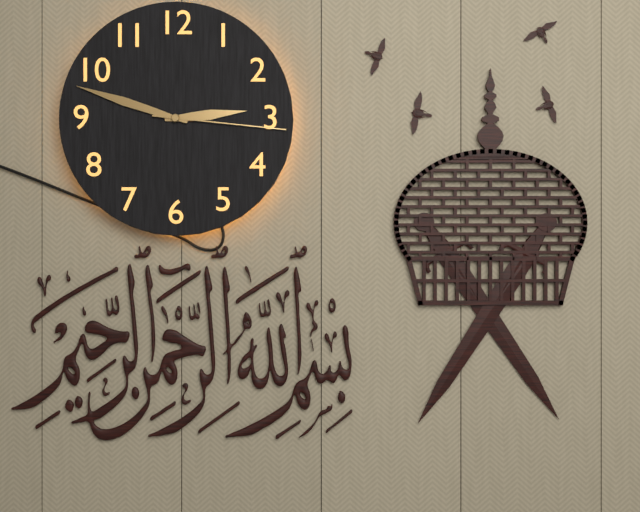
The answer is h=2 m=48 s=16
